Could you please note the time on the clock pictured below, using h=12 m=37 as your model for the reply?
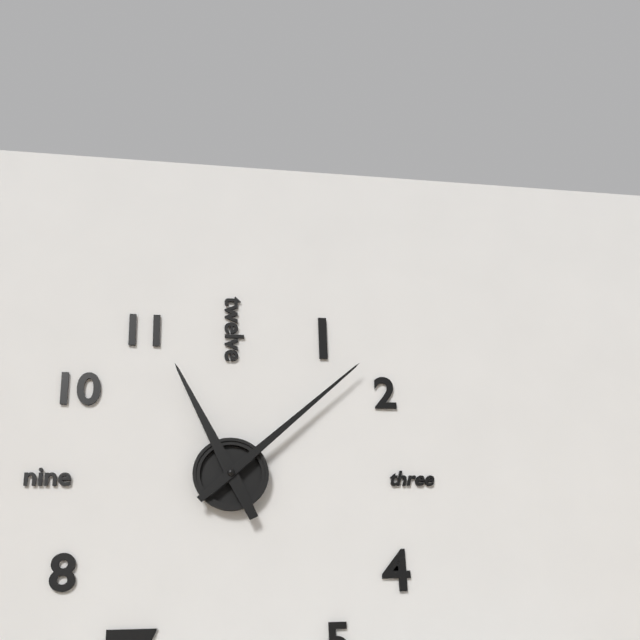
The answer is h=11 m=8
